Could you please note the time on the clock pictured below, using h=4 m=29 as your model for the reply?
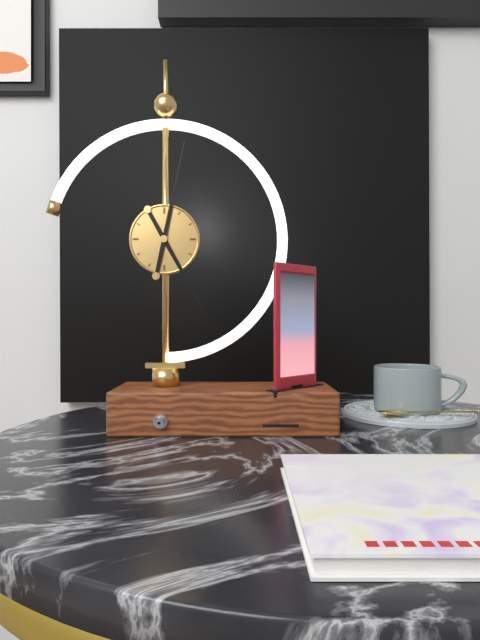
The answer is h=5 m=2
